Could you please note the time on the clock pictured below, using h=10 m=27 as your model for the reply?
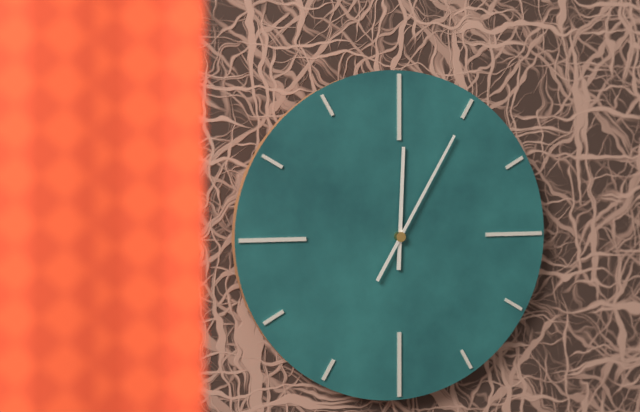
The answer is h=12 m=5
